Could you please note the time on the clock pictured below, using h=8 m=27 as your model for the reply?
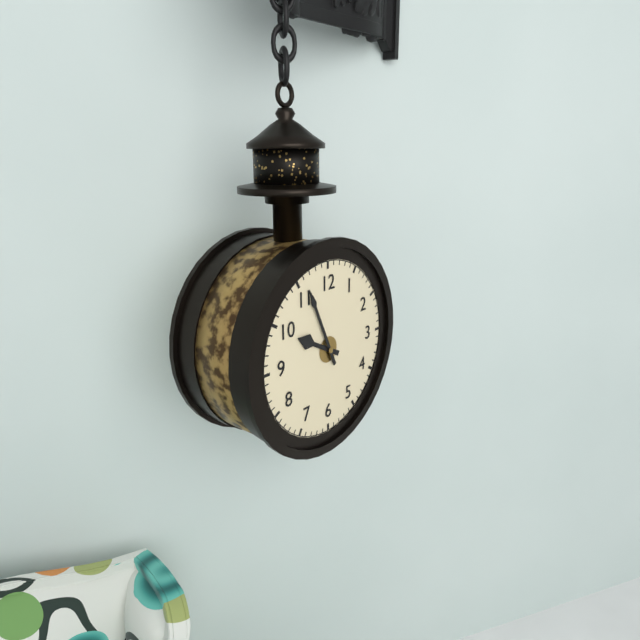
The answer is h=9 m=56
